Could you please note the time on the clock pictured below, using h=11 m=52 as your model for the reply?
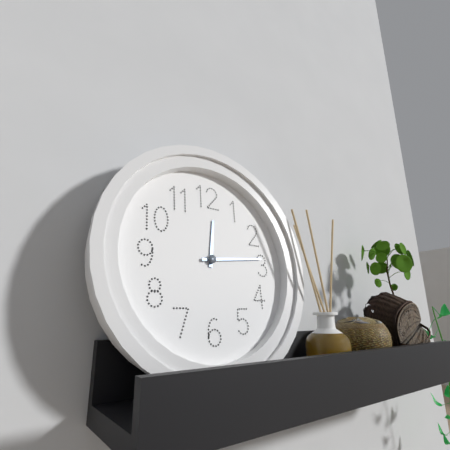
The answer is h=12 m=14
